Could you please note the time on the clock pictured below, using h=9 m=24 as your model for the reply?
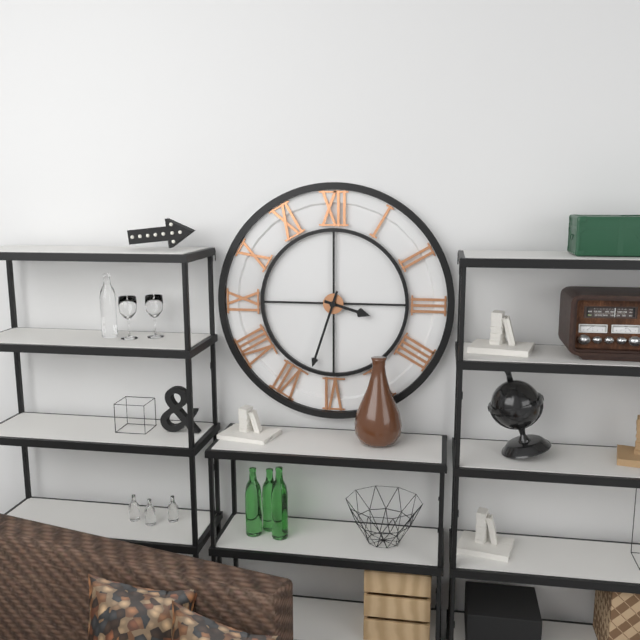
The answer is h=3 m=33
